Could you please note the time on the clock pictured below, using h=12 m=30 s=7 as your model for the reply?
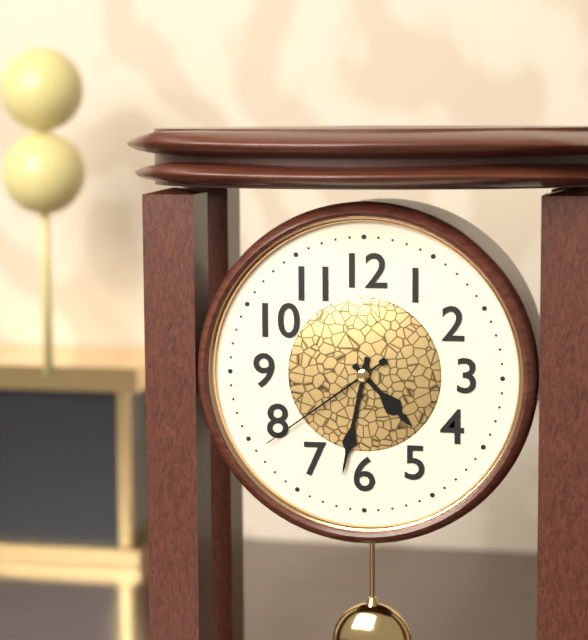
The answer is h=4 m=32 s=39
